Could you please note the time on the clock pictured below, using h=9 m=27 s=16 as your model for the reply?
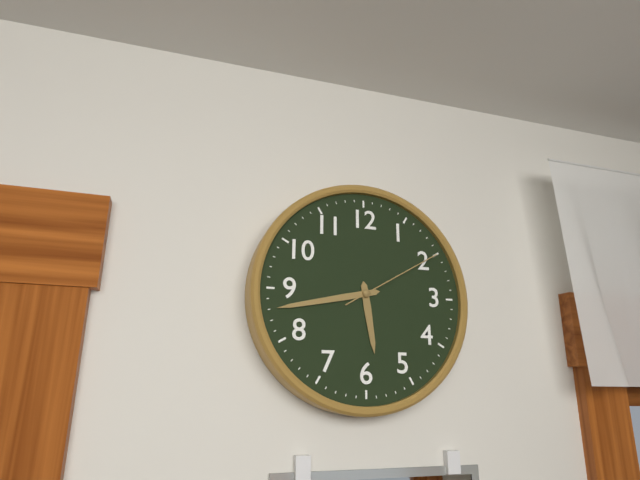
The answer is h=5 m=43 s=10
